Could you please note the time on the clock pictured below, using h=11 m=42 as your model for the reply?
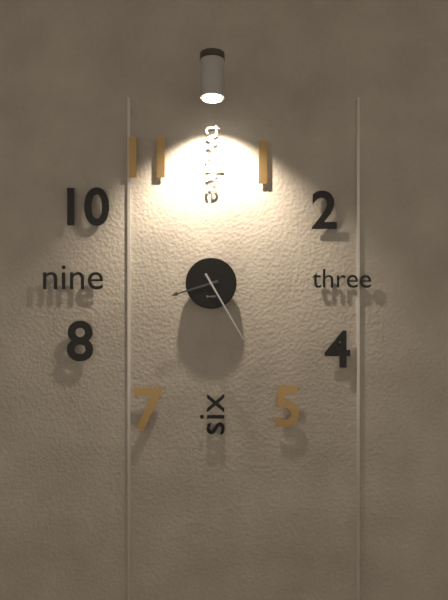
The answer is h=8 m=25
